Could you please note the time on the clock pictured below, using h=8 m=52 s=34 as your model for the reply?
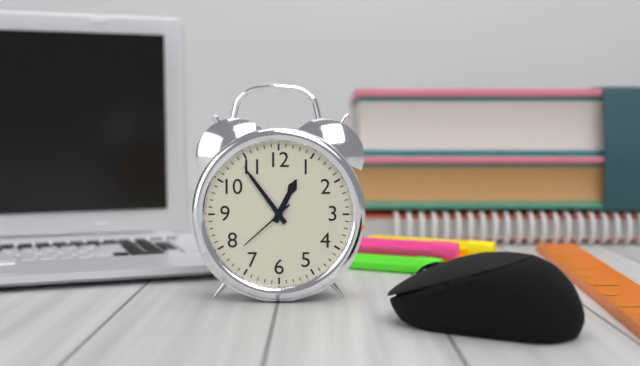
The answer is h=12 m=54 s=38
